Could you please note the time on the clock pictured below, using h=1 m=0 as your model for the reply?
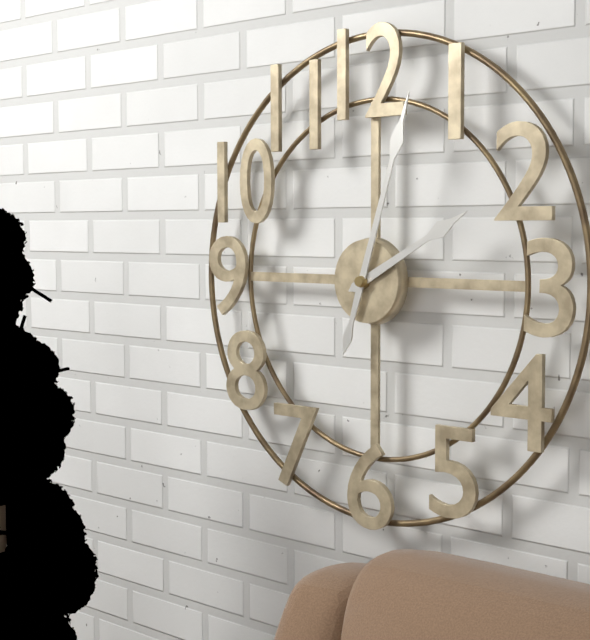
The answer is h=2 m=3
